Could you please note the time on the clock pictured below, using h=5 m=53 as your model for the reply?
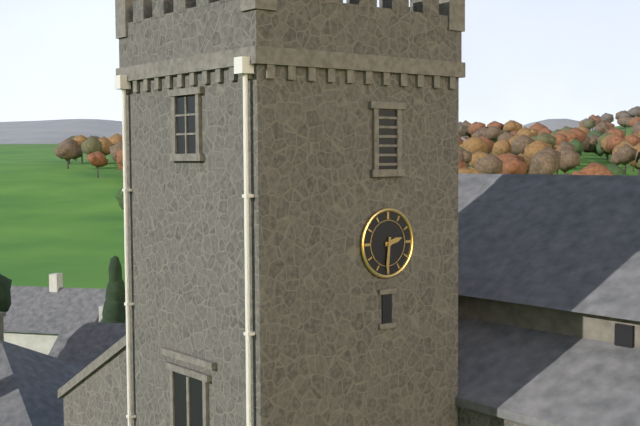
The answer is h=2 m=31
